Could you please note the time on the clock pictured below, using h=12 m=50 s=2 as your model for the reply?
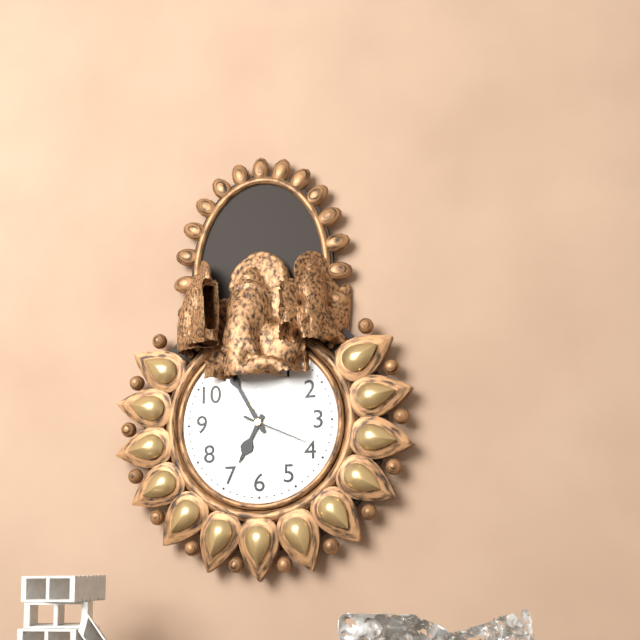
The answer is h=6 m=55 s=19
